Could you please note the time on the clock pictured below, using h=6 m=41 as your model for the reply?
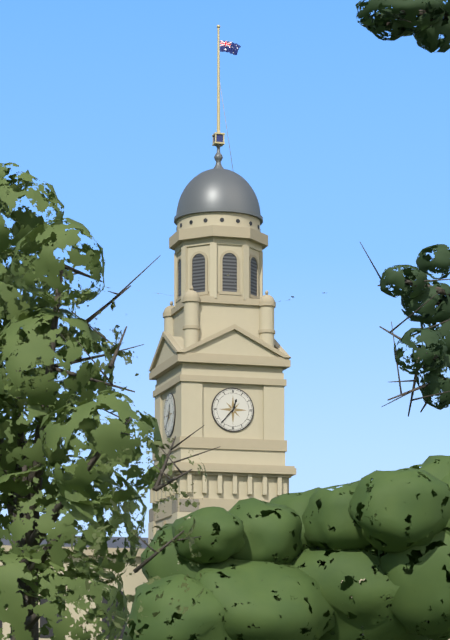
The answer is h=12 m=37
